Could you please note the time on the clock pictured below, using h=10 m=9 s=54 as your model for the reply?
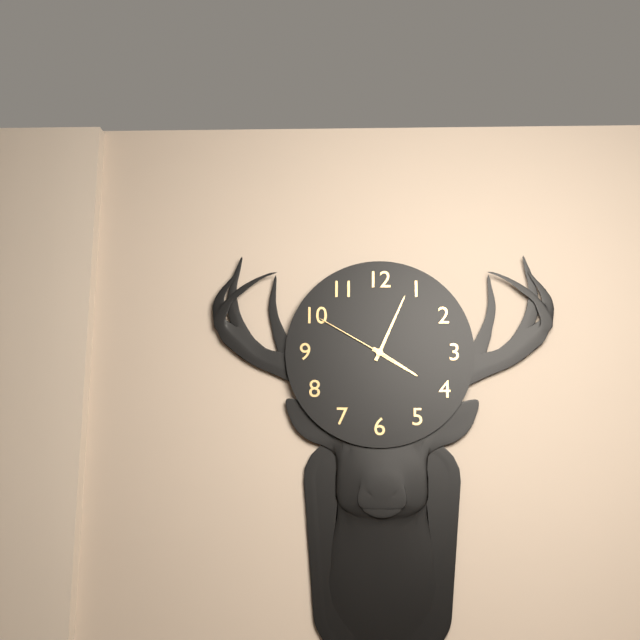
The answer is h=4 m=4 s=50
